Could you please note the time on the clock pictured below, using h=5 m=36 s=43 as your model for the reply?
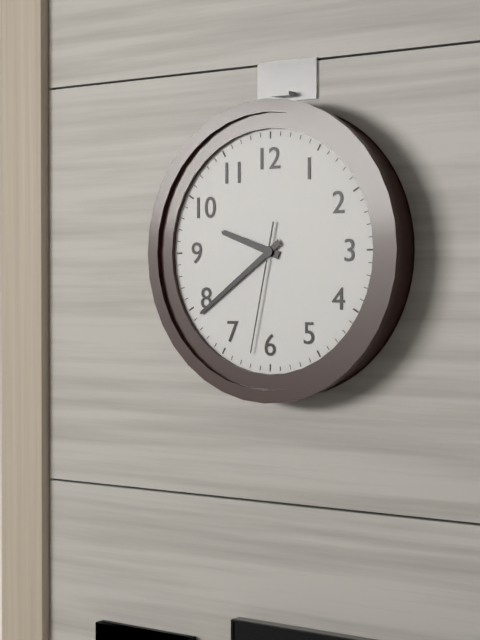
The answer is h=9 m=39 s=32
